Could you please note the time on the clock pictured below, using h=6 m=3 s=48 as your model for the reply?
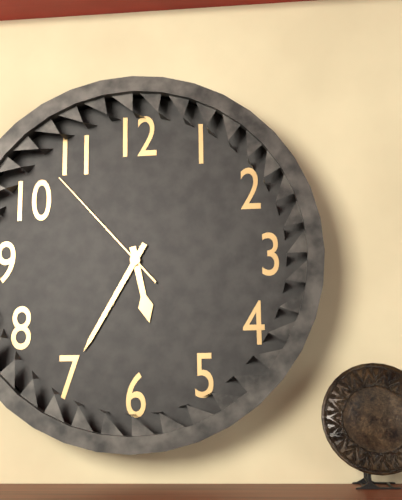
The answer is h=5 m=35 s=53
